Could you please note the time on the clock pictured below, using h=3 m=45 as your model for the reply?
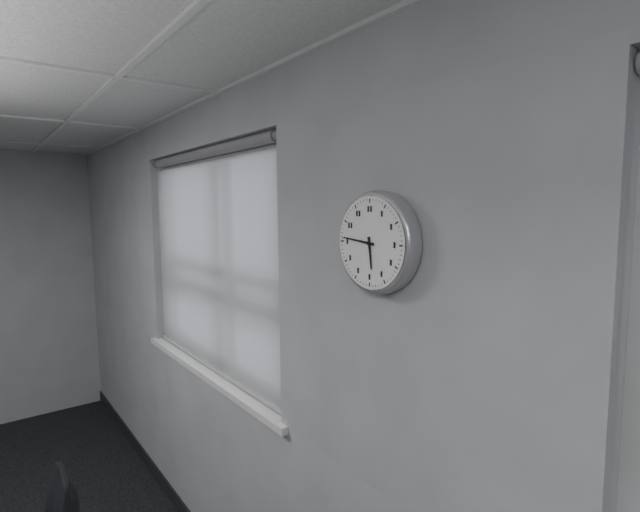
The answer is h=5 m=46
